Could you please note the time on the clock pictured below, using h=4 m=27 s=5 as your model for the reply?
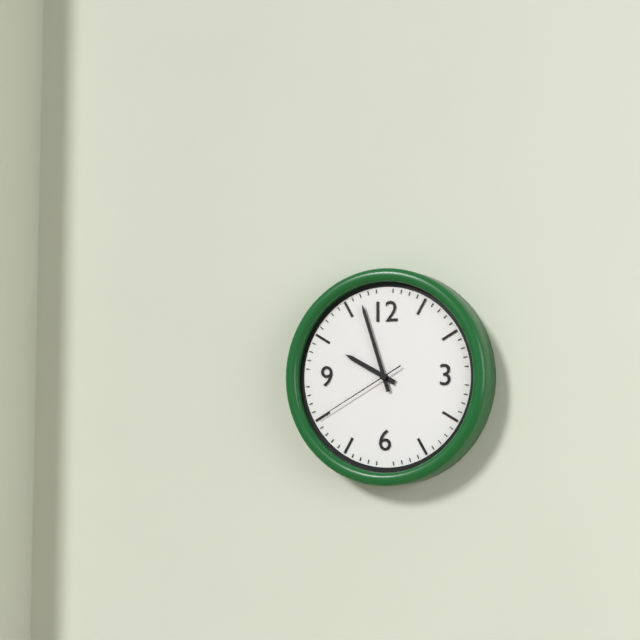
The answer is h=9 m=57 s=40
